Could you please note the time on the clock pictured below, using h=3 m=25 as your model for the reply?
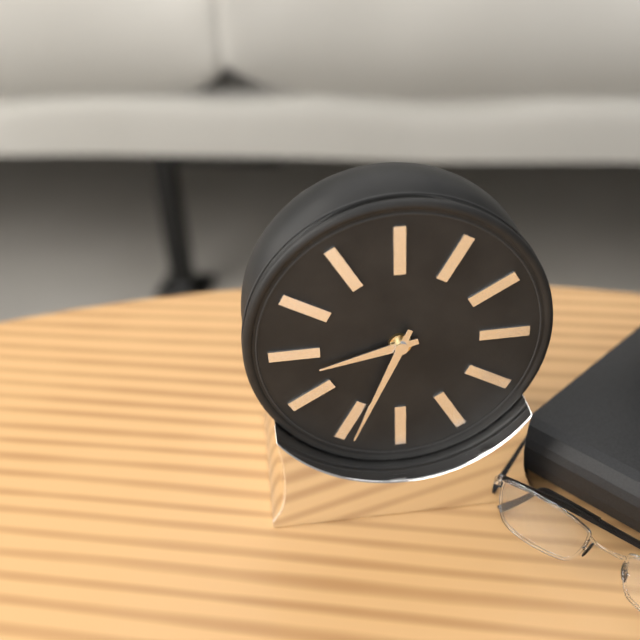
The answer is h=8 m=34
